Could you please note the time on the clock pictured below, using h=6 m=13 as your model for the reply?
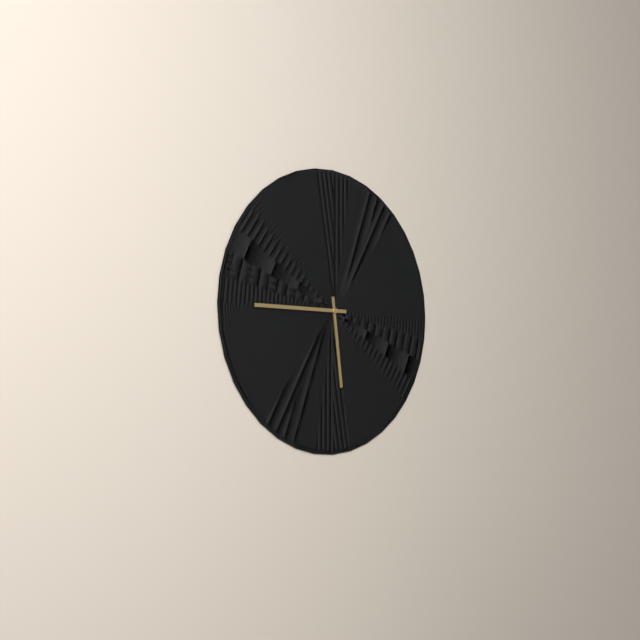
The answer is h=5 m=45
